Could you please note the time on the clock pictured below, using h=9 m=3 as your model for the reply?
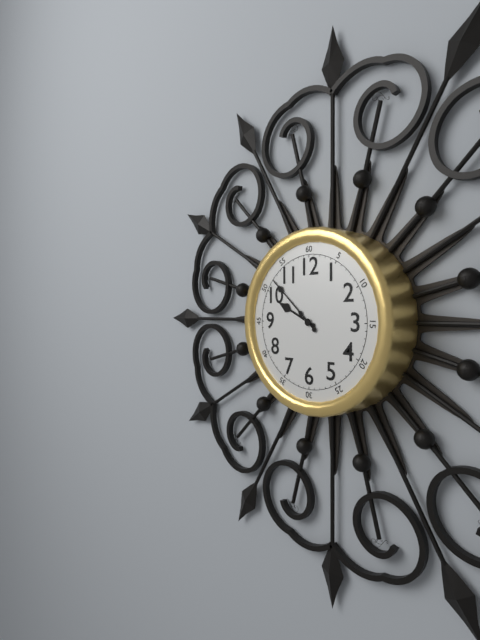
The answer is h=9 m=52
